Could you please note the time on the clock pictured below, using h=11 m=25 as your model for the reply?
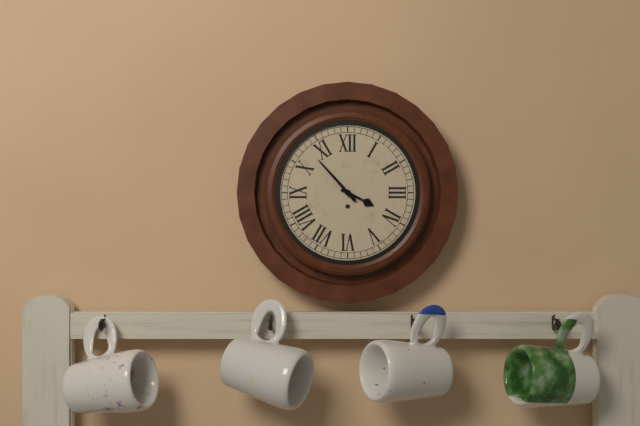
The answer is h=3 m=53
